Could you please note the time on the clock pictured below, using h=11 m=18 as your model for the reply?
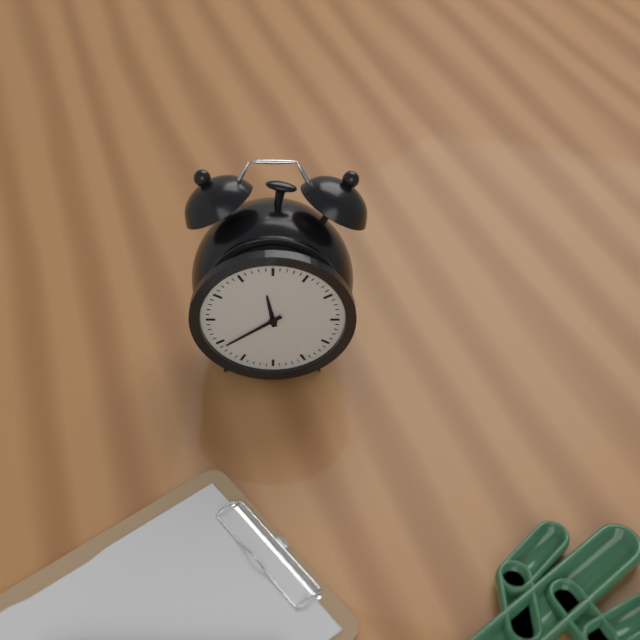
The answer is h=11 m=39
